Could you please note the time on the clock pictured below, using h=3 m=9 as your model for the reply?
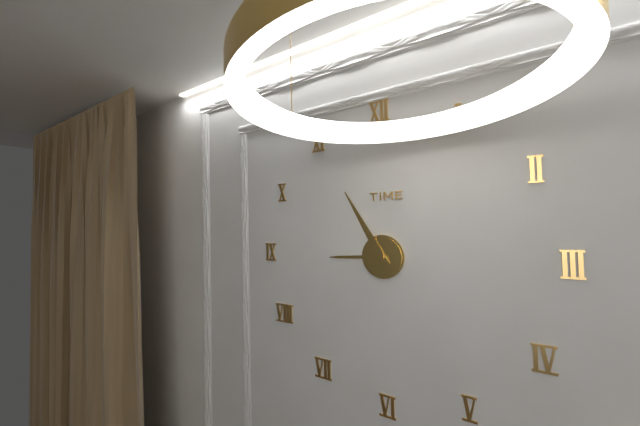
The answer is h=8 m=55
